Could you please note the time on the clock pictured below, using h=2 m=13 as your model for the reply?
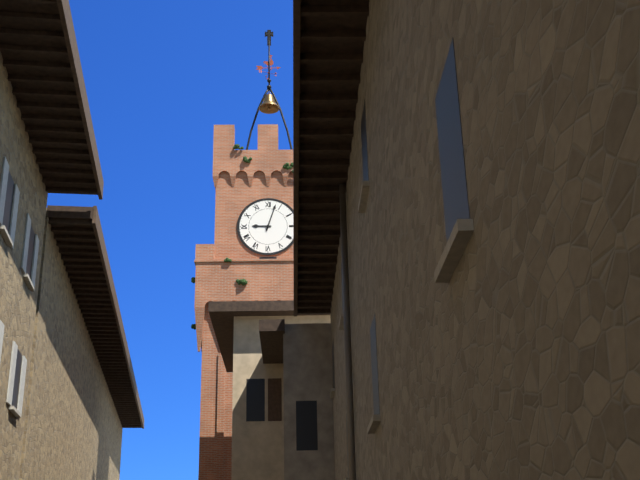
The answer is h=9 m=3
